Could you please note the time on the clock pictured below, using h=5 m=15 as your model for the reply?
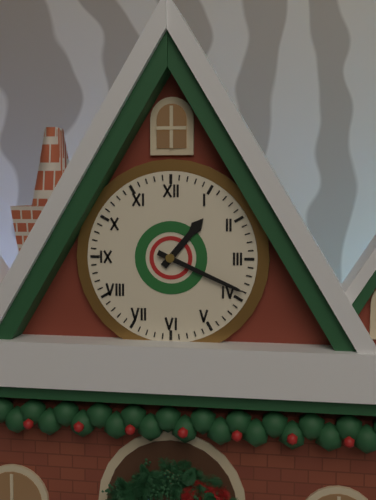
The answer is h=1 m=19
